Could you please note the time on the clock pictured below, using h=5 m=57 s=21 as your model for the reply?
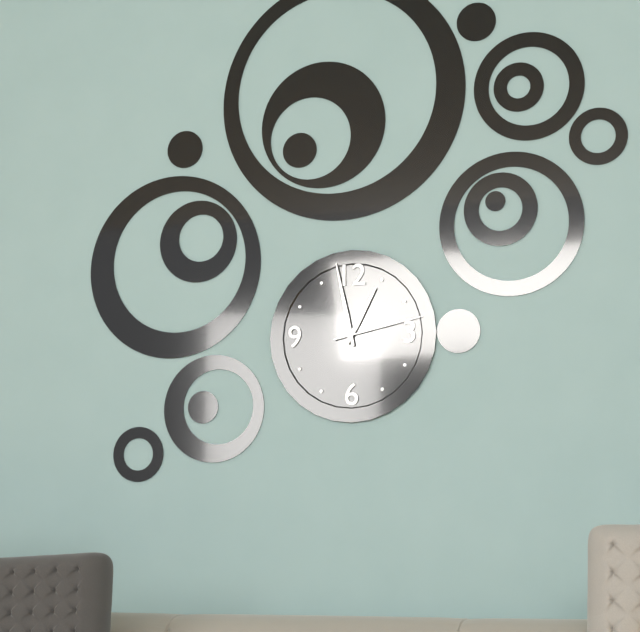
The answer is h=12 m=58 s=13
